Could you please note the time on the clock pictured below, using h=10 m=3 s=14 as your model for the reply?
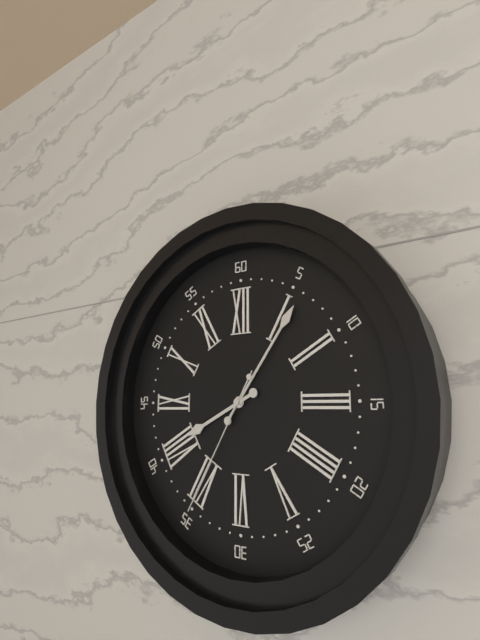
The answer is h=8 m=6 s=35
